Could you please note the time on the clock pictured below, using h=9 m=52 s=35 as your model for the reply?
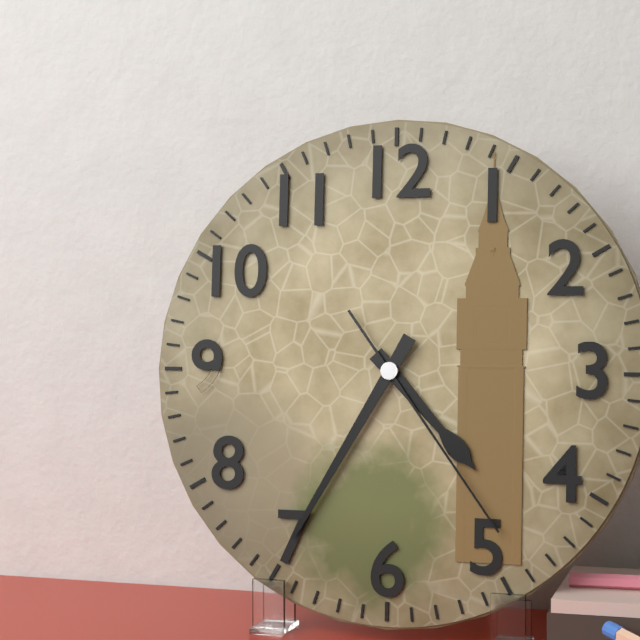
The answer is h=4 m=35 s=24
